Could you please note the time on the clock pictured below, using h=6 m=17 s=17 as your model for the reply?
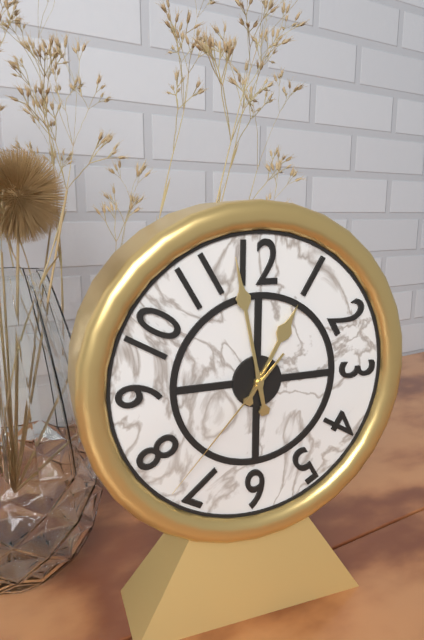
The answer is h=12 m=58 s=37
